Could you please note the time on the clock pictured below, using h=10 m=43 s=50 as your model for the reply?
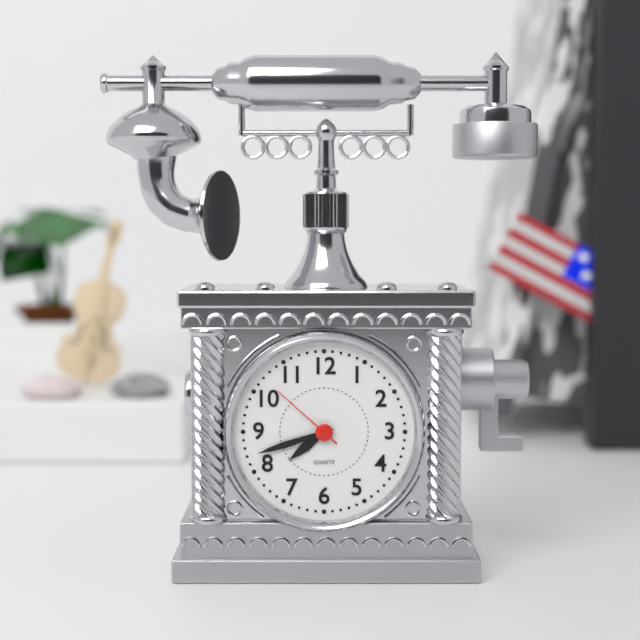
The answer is h=7 m=42 s=52
